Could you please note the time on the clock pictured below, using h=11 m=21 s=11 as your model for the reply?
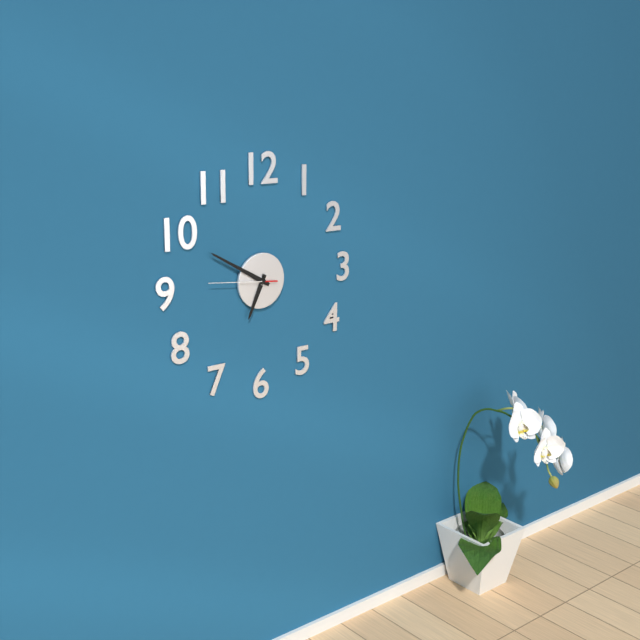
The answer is h=6 m=50 s=46
